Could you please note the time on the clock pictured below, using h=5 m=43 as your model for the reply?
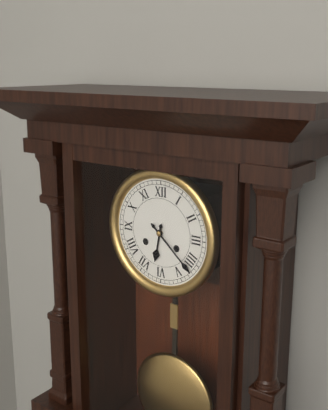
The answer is h=6 m=22
